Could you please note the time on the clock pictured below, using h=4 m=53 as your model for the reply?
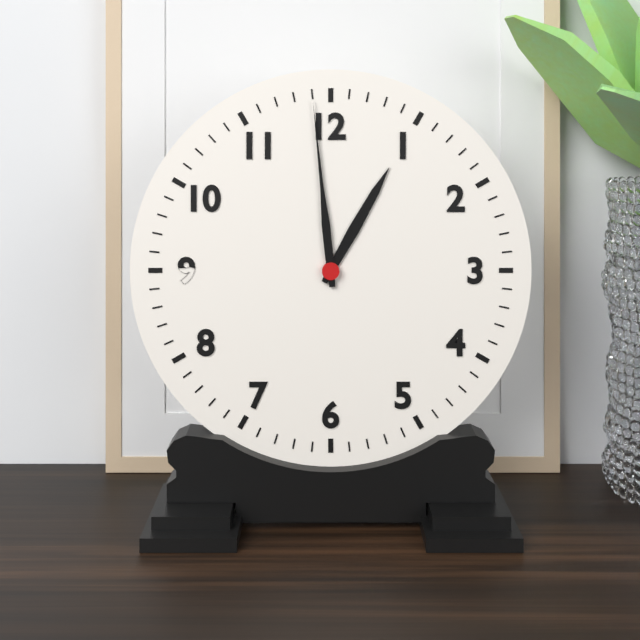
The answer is h=12 m=59
